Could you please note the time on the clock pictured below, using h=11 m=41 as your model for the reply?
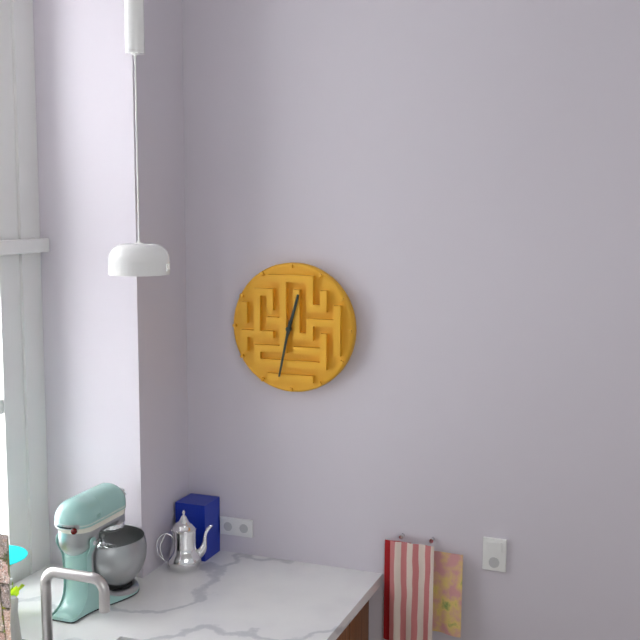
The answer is h=12 m=32
